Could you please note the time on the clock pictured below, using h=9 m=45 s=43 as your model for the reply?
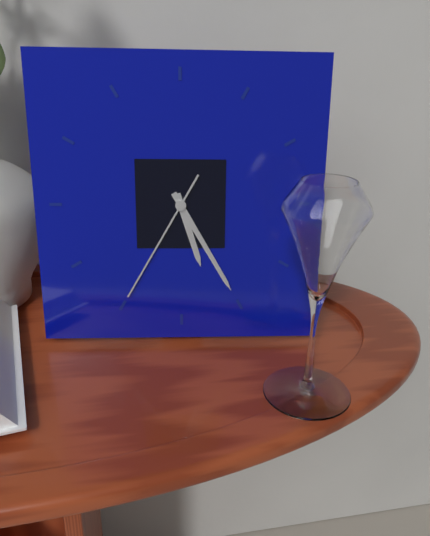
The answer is h=5 m=25 s=35
